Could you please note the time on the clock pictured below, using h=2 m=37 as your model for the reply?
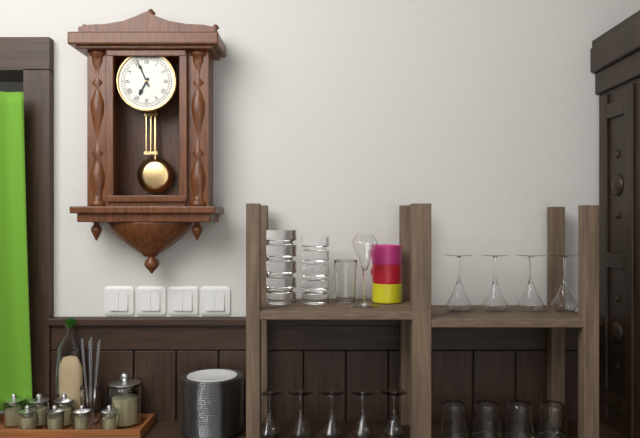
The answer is h=6 m=56
